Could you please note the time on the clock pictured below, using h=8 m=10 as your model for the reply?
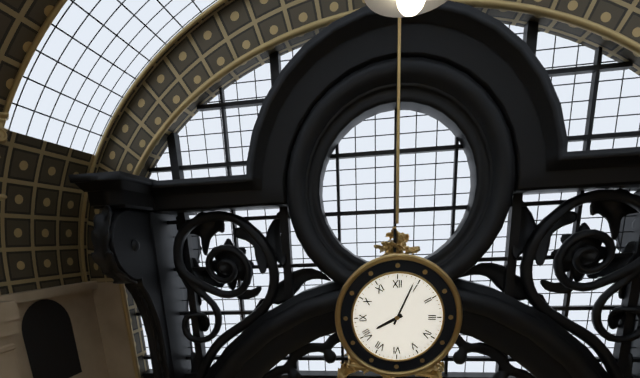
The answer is h=8 m=4
